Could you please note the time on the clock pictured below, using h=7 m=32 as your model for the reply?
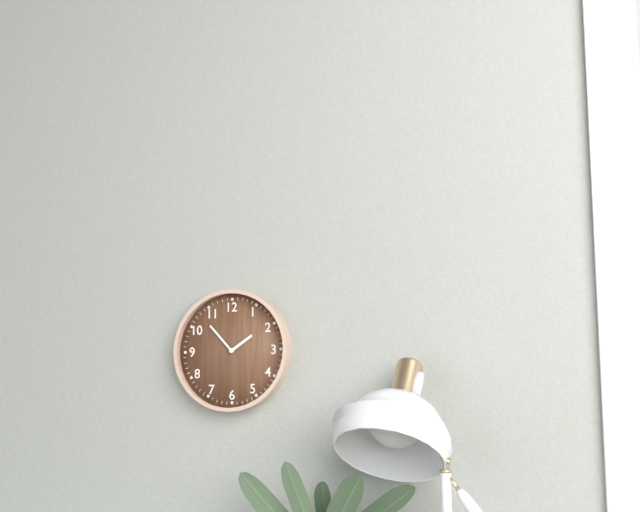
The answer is h=1 m=53
